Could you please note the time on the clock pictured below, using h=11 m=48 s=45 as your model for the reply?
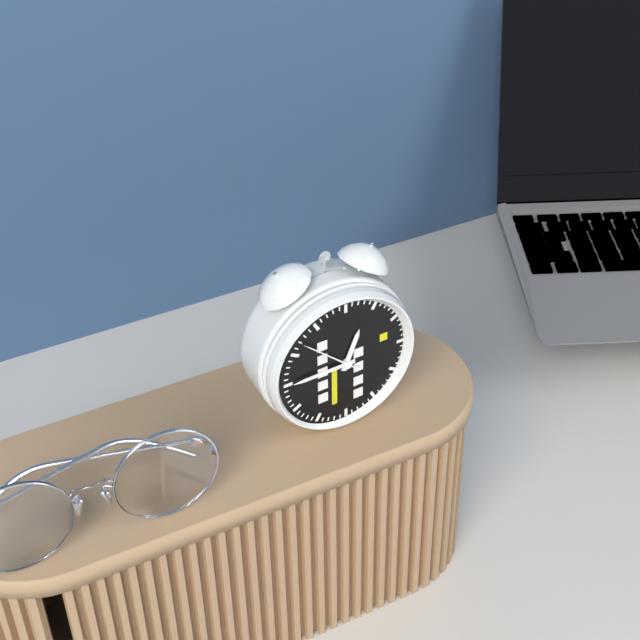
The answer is h=12 m=45 s=52
